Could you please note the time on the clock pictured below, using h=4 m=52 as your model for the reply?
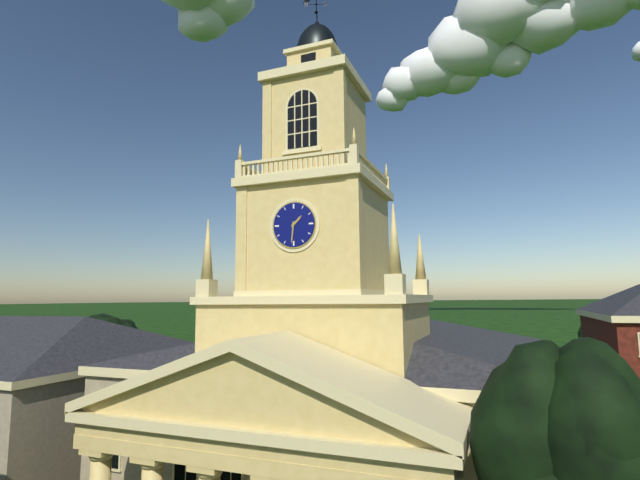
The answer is h=1 m=31
